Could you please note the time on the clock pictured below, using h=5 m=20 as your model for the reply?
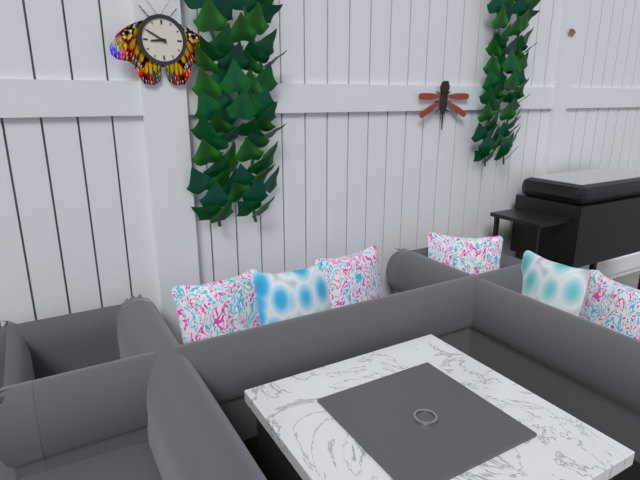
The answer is h=8 m=50
